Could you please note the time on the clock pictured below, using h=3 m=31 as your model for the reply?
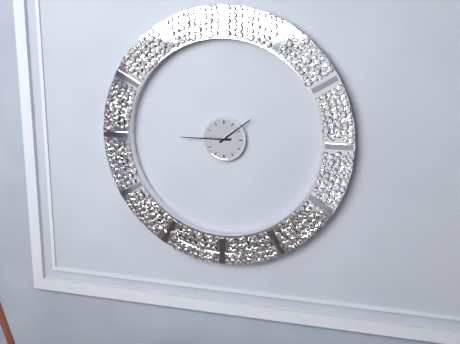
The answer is h=1 m=45
